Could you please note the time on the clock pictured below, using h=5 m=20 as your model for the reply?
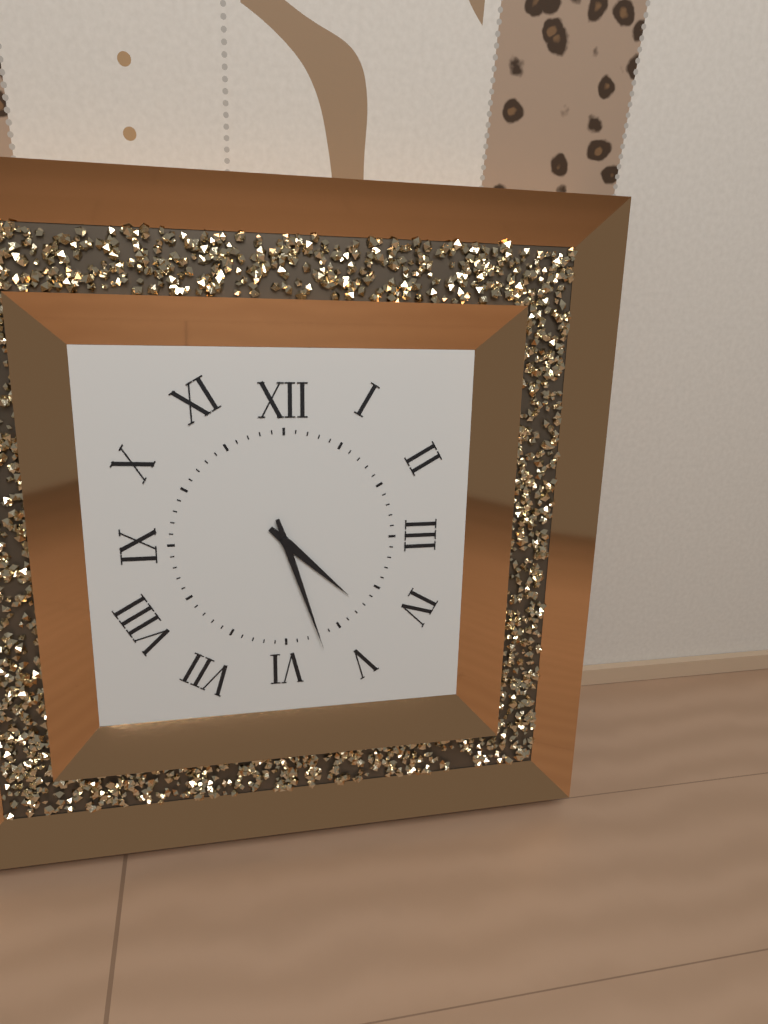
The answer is h=4 m=27
